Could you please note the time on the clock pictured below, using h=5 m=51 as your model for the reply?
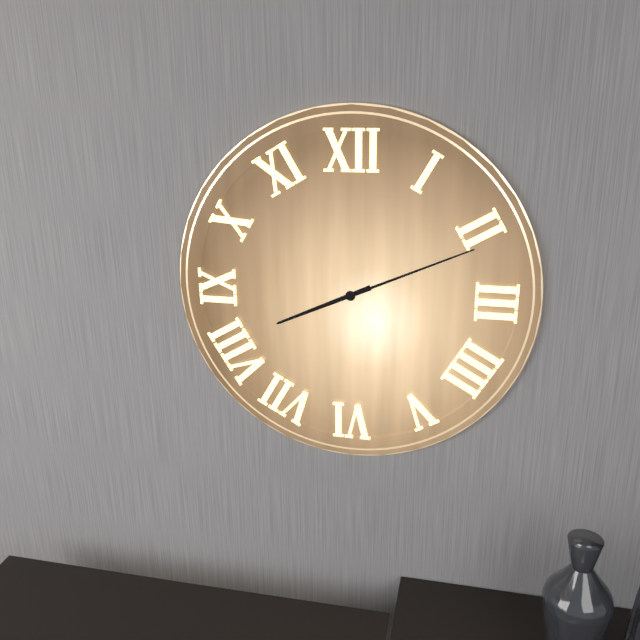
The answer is h=8 m=11
